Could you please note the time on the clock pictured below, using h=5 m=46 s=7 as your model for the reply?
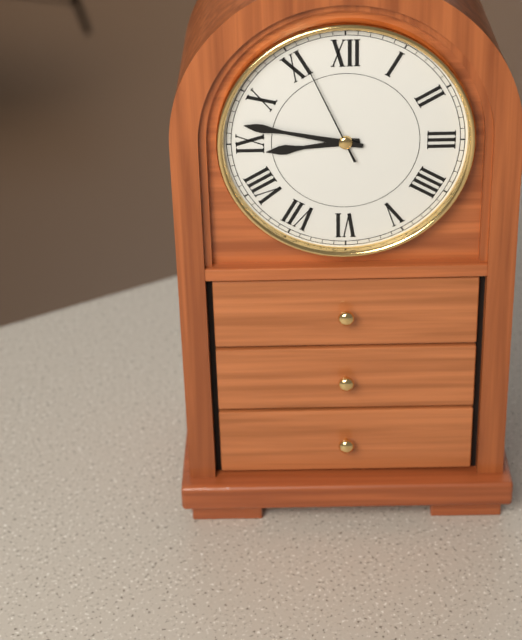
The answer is h=8 m=47 s=56
